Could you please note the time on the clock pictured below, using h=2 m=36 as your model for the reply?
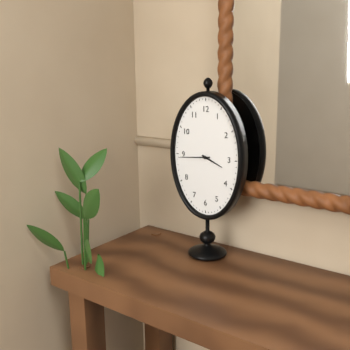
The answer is h=3 m=44
